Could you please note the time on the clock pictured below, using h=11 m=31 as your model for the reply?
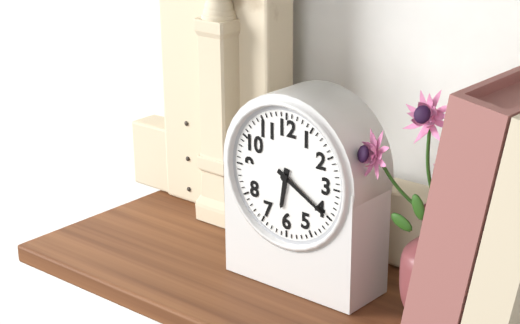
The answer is h=6 m=20
